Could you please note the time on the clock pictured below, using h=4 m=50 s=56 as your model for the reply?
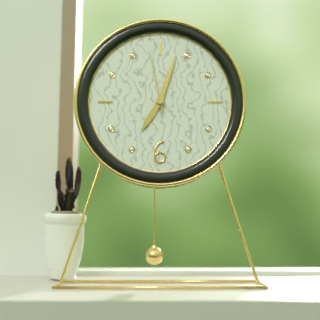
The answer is h=7 m=3 s=58
